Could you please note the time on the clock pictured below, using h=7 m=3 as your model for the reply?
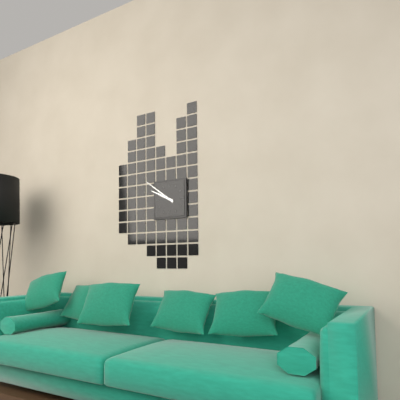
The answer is h=9 m=51
